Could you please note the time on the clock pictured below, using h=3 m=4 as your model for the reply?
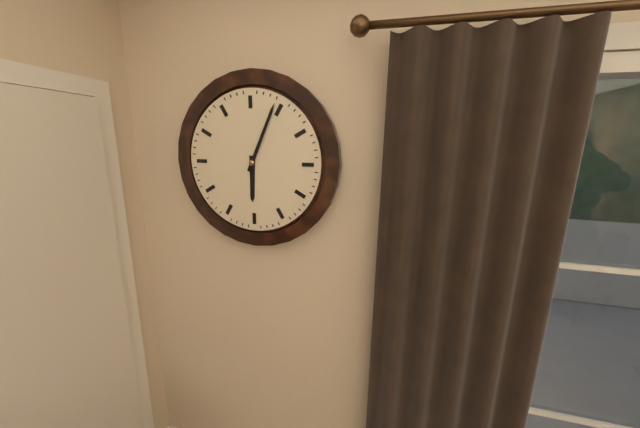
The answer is h=6 m=4
